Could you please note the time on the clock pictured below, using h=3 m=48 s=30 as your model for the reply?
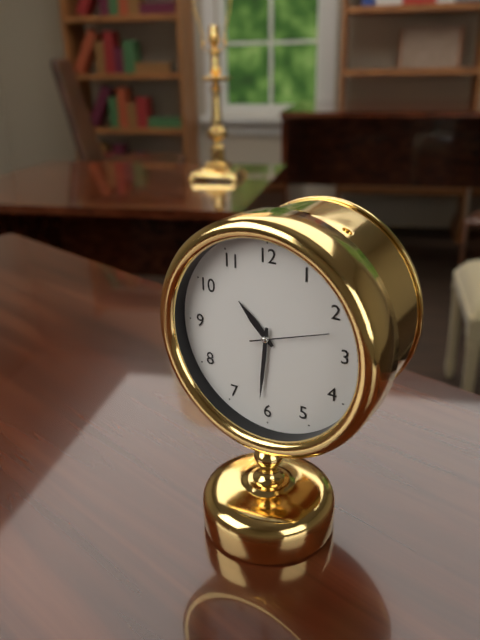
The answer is h=10 m=31 s=12
